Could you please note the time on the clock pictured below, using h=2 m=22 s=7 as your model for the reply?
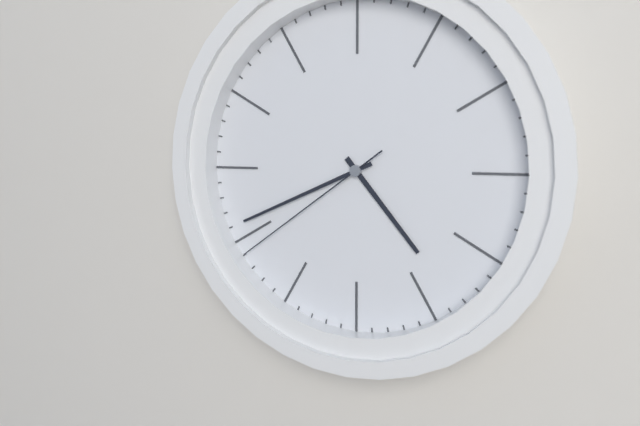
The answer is h=4 m=41 s=39
